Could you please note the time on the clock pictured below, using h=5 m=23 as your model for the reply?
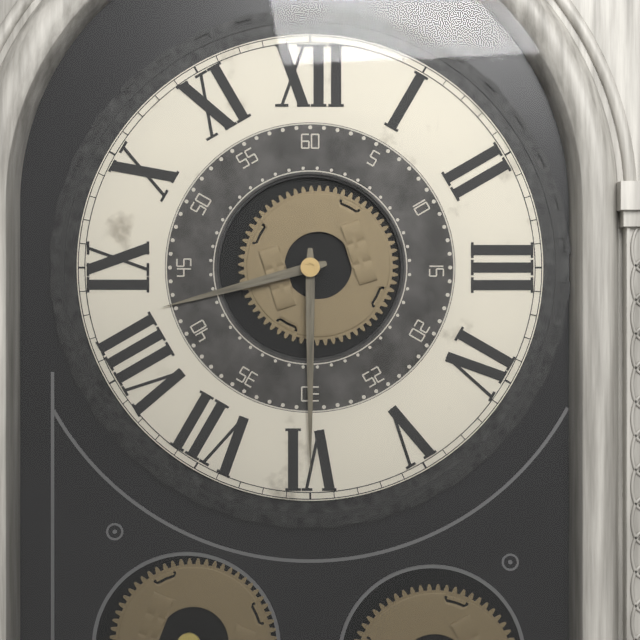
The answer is h=8 m=30
